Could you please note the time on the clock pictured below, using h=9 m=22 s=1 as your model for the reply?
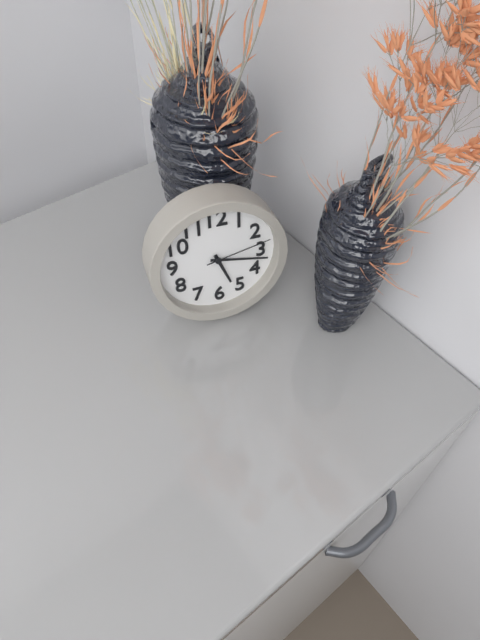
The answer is h=5 m=17 s=13
